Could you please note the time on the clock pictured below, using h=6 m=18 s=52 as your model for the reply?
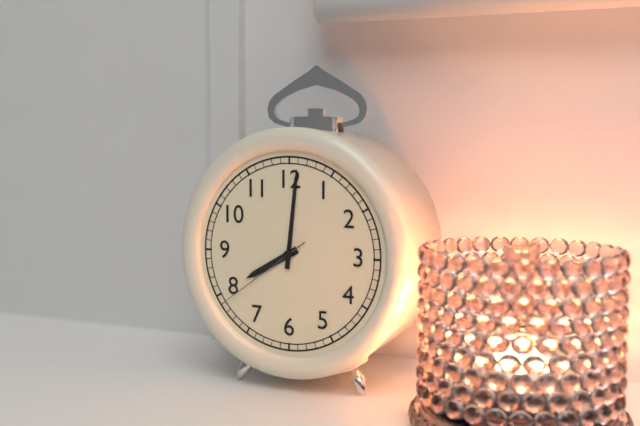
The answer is h=8 m=1 s=39
